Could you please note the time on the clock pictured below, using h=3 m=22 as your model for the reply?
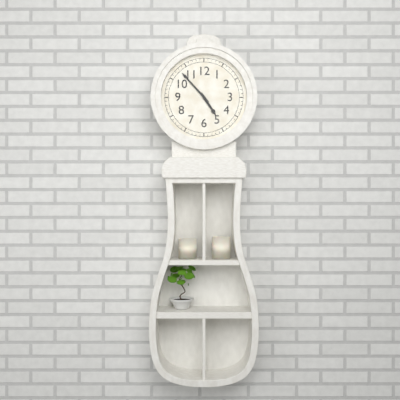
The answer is h=4 m=53
